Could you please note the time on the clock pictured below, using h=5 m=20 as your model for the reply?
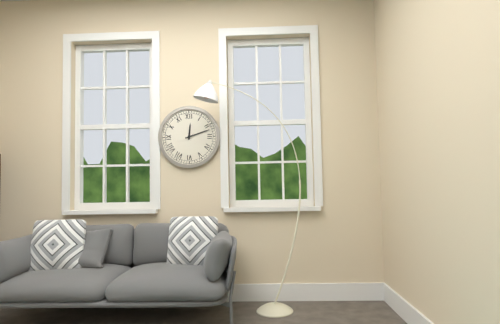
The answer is h=12 m=12
